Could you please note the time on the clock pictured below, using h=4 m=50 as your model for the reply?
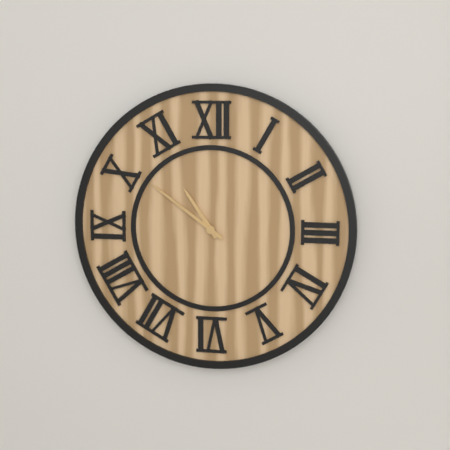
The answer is h=10 m=51
